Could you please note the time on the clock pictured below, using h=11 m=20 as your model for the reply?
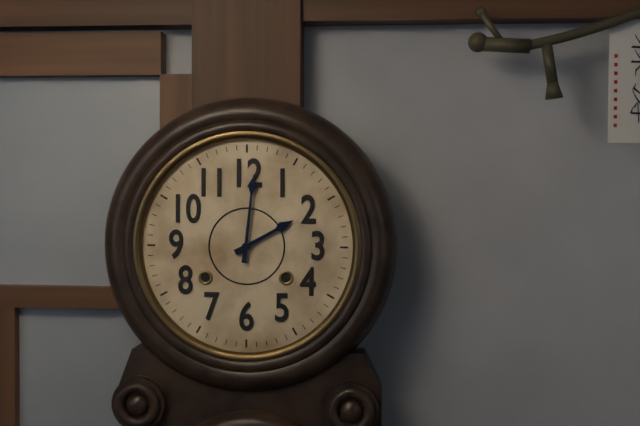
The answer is h=2 m=1
